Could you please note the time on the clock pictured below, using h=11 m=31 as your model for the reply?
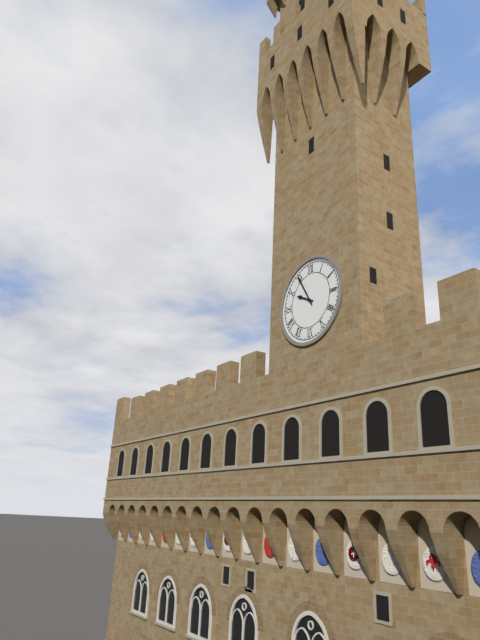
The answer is h=9 m=55
